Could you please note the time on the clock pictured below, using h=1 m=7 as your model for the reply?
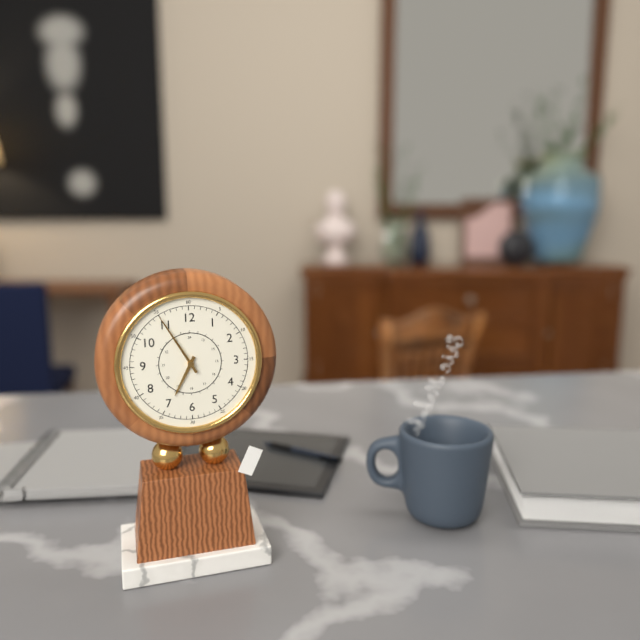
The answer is h=6 m=55
